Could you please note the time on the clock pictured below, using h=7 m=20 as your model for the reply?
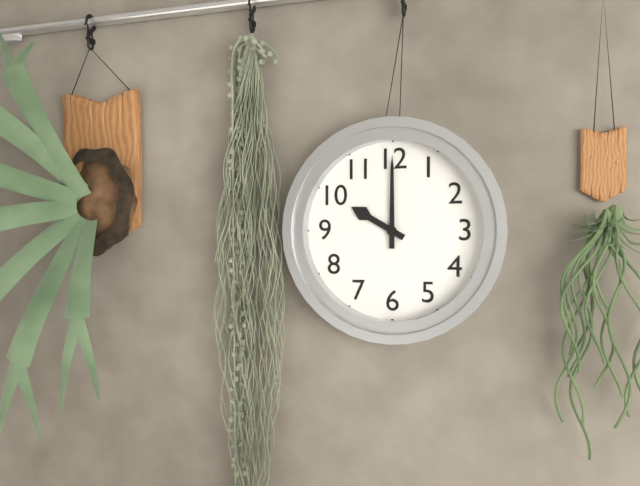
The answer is h=10 m=0
